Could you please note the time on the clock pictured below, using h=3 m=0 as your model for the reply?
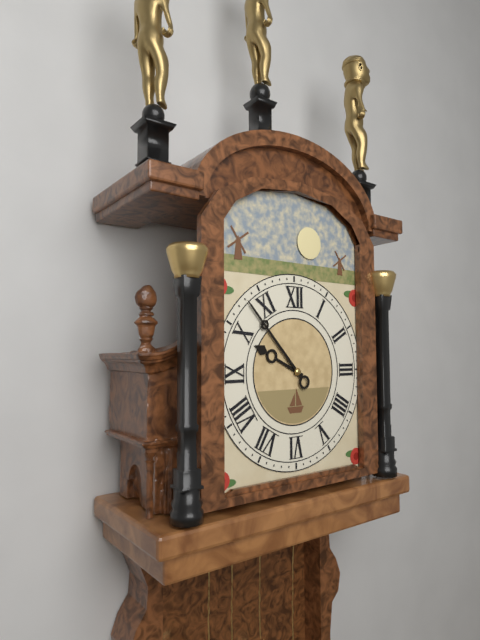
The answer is h=9 m=53
